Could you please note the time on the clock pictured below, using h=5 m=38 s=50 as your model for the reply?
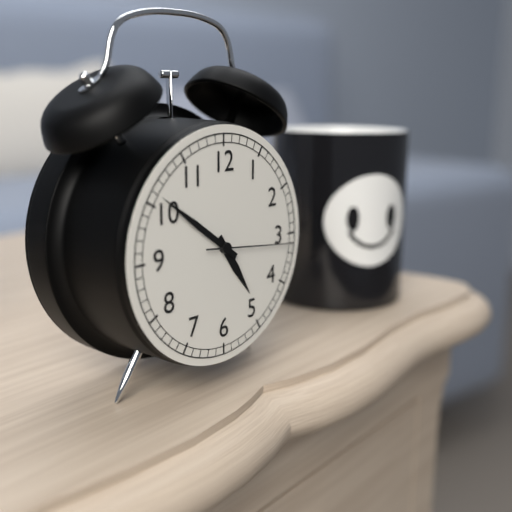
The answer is h=4 m=51 s=16
